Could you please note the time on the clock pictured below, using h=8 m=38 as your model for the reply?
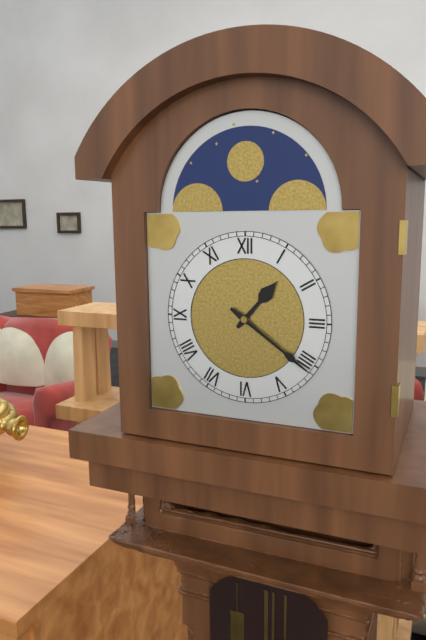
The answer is h=1 m=21
